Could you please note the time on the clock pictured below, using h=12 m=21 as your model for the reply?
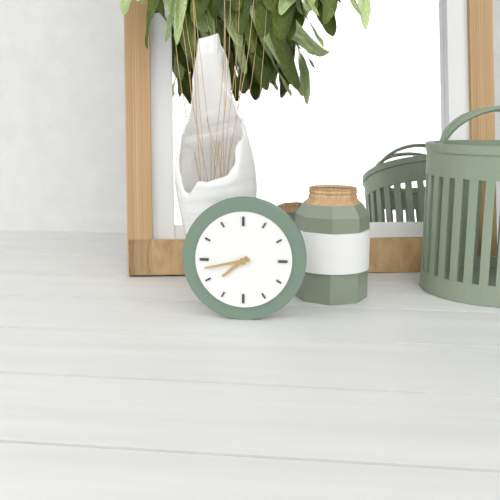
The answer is h=7 m=43
